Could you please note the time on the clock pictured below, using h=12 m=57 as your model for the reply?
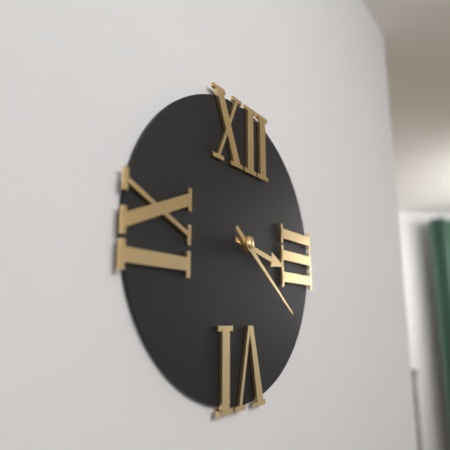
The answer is h=3 m=21
